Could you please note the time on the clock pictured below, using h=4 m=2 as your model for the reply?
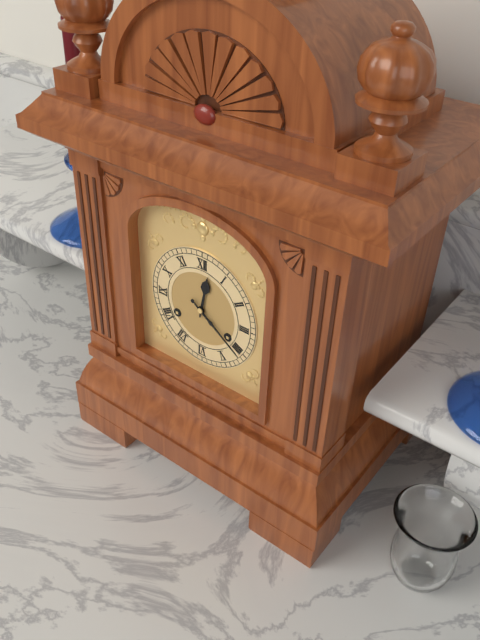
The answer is h=12 m=21
